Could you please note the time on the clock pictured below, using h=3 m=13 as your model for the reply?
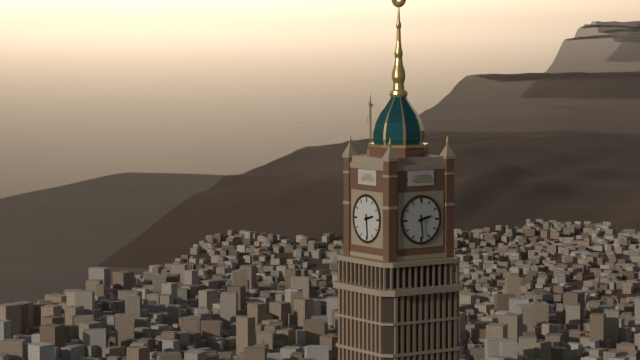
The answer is h=2 m=29
